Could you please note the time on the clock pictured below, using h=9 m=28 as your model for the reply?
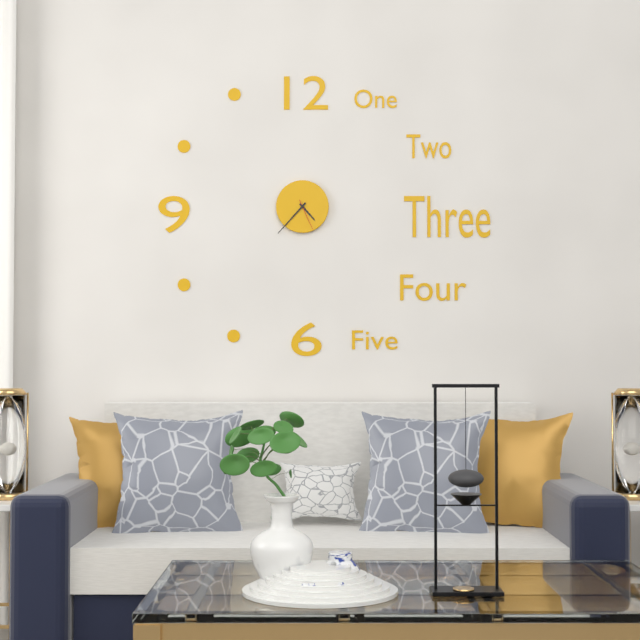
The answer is h=4 m=37
